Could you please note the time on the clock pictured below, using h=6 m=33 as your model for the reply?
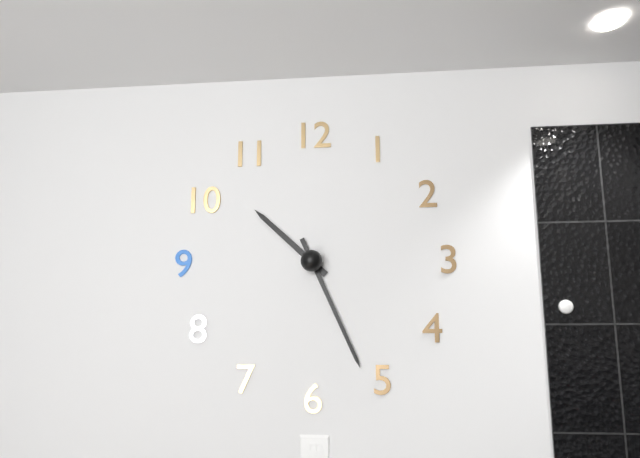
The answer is h=10 m=26
